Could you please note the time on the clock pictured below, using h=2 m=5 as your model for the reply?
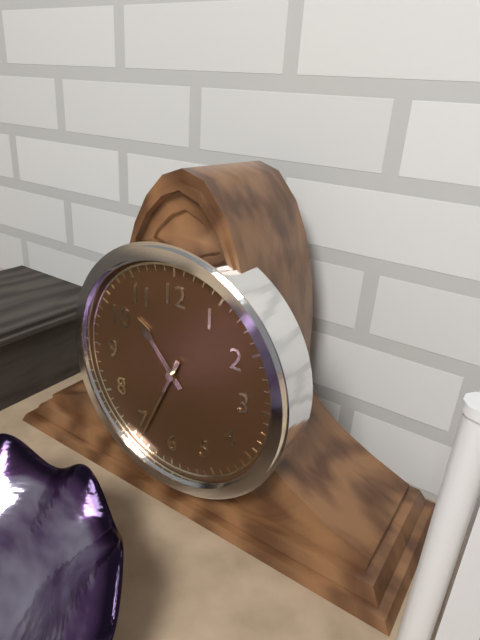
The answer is h=10 m=34
